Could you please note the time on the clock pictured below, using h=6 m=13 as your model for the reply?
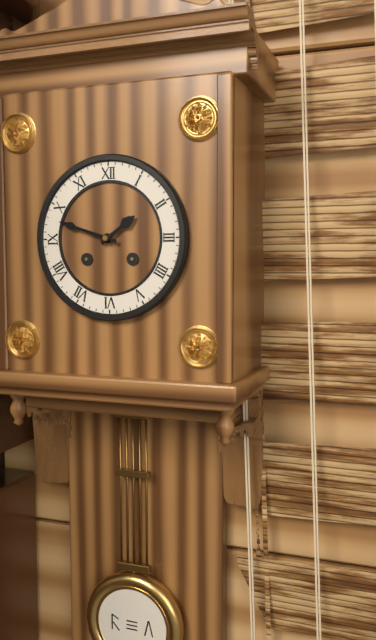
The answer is h=1 m=48
